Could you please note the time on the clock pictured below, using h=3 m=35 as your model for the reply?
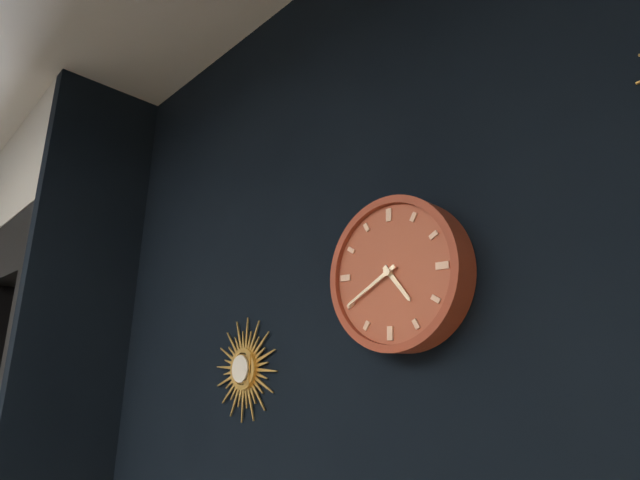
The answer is h=4 m=40
